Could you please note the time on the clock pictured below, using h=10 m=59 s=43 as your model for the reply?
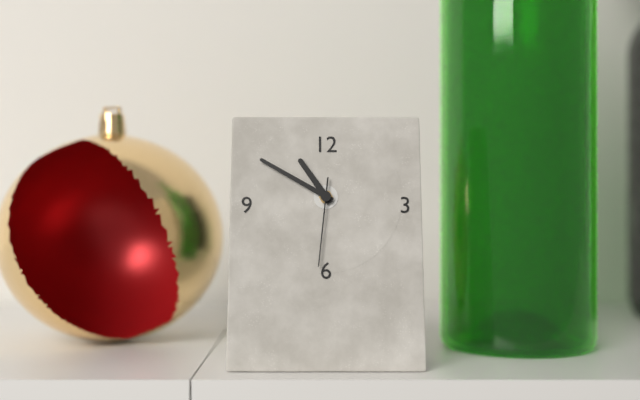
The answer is h=10 m=50 s=31
